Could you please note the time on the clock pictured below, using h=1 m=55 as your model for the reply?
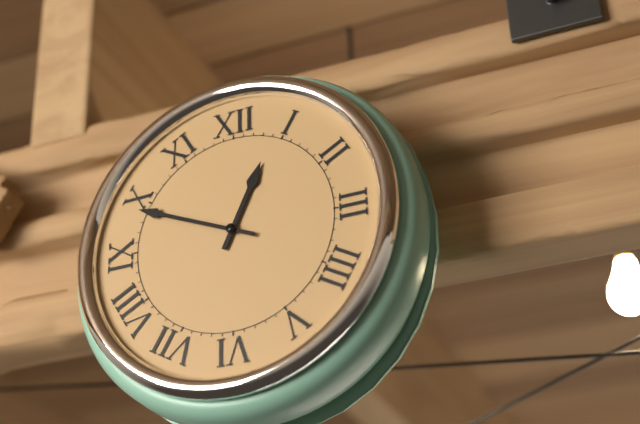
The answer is h=12 m=49
